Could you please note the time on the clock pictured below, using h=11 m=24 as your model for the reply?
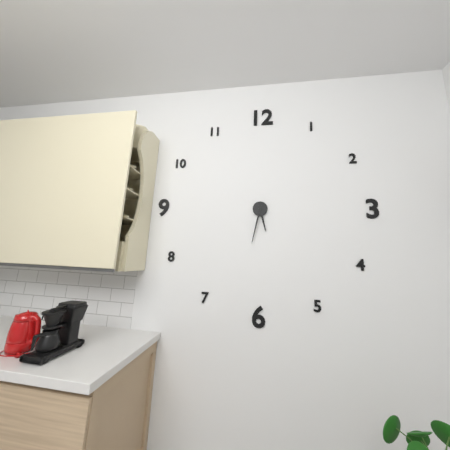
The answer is h=5 m=32
